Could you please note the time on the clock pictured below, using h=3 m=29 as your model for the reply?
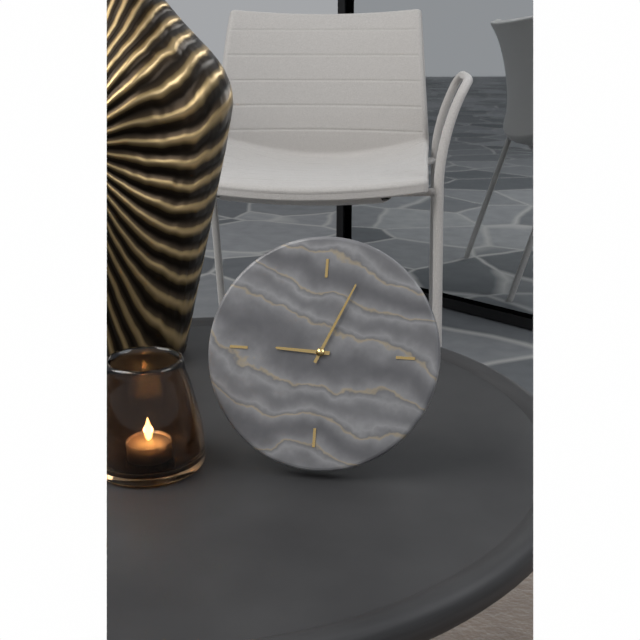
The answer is h=9 m=4
